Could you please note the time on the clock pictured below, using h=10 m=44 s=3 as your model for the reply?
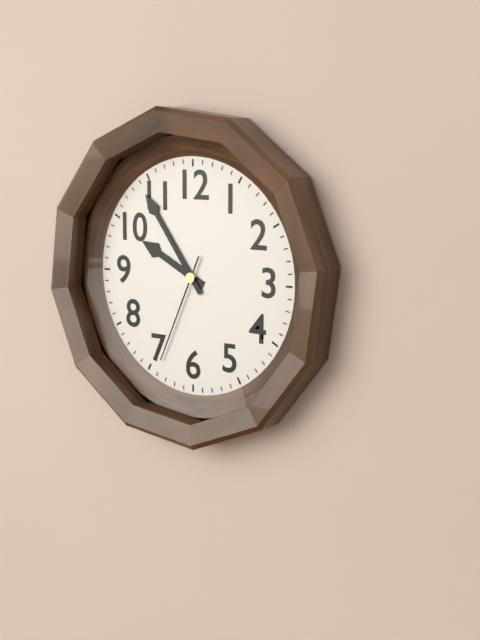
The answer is h=9 m=54 s=34
